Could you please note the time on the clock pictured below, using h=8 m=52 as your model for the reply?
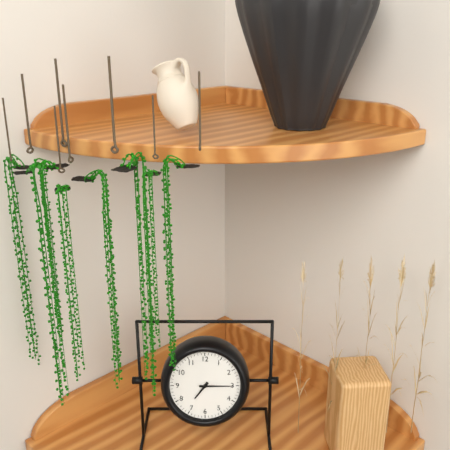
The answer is h=7 m=15
